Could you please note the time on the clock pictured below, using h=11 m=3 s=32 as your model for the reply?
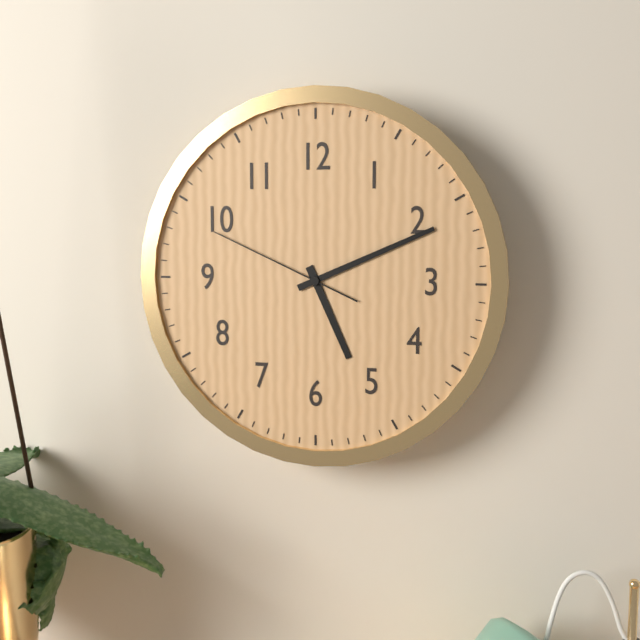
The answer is h=5 m=11 s=49
